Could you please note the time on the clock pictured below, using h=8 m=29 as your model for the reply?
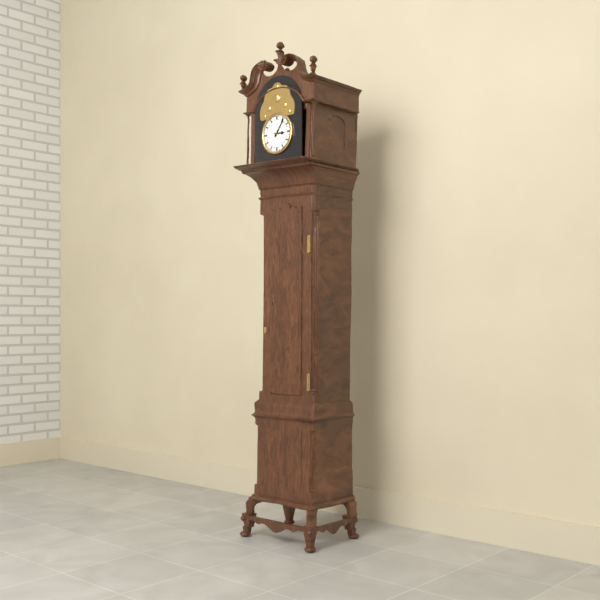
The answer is h=3 m=6
